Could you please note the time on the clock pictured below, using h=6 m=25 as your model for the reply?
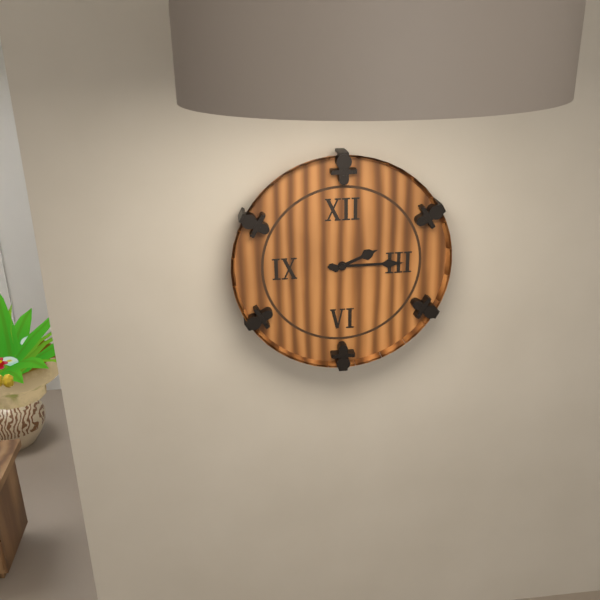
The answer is h=2 m=15
